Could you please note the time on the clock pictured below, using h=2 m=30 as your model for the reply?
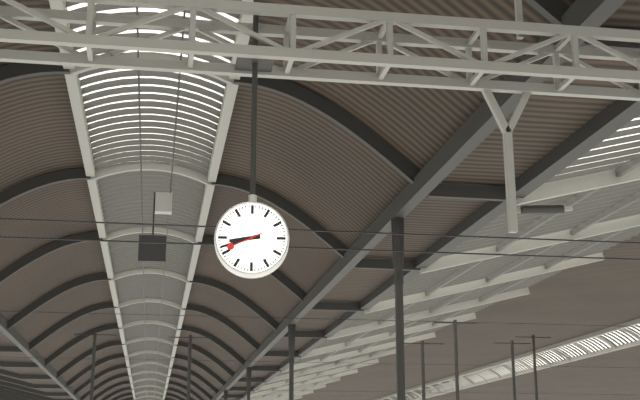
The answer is h=8 m=42
